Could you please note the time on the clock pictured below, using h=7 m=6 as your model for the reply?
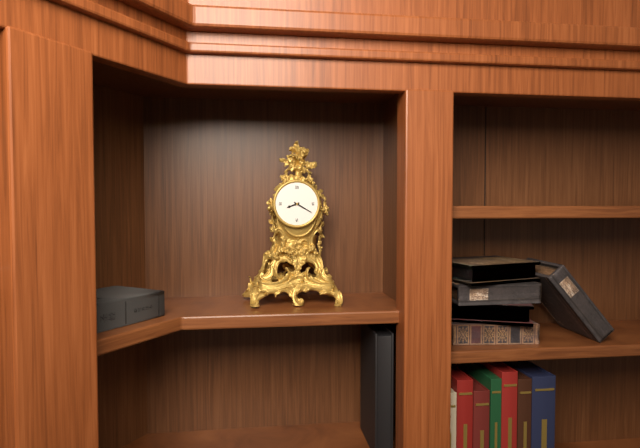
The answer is h=8 m=20
